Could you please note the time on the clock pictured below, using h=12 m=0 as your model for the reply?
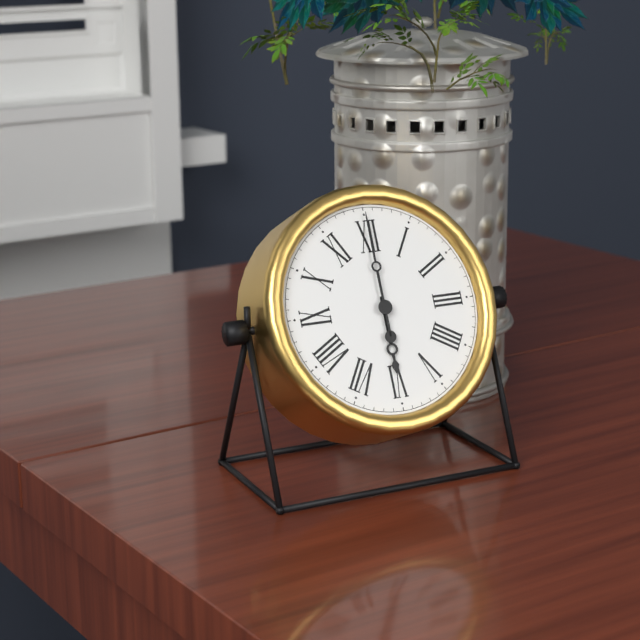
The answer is h=6 m=0
